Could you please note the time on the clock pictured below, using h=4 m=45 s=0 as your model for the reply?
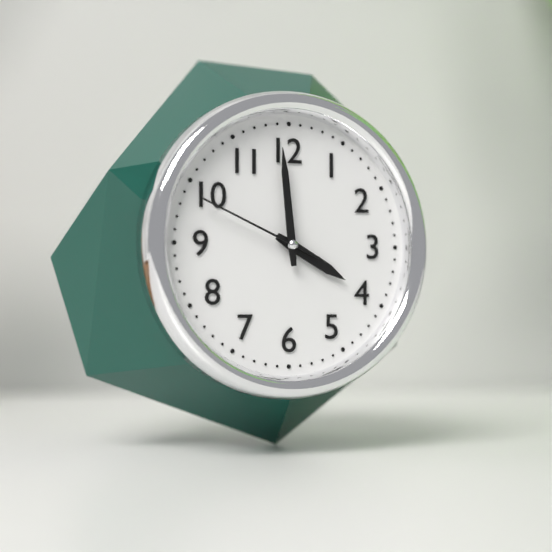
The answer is h=3 m=59 s=49
